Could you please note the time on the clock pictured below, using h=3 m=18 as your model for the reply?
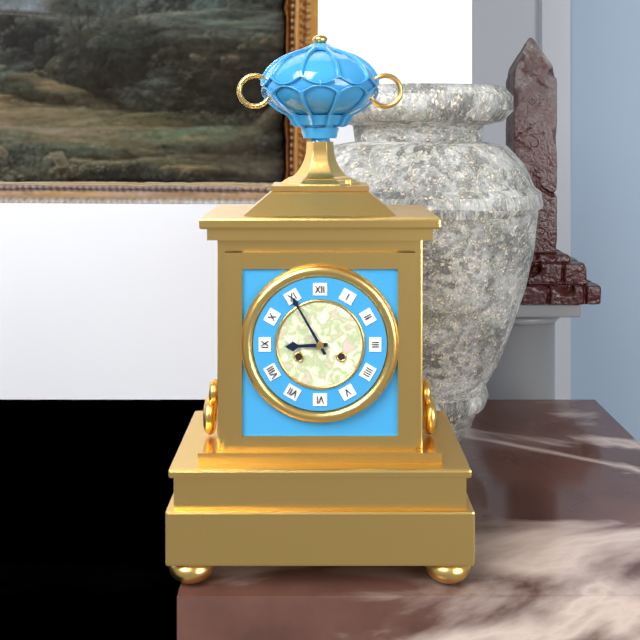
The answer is h=8 m=55
